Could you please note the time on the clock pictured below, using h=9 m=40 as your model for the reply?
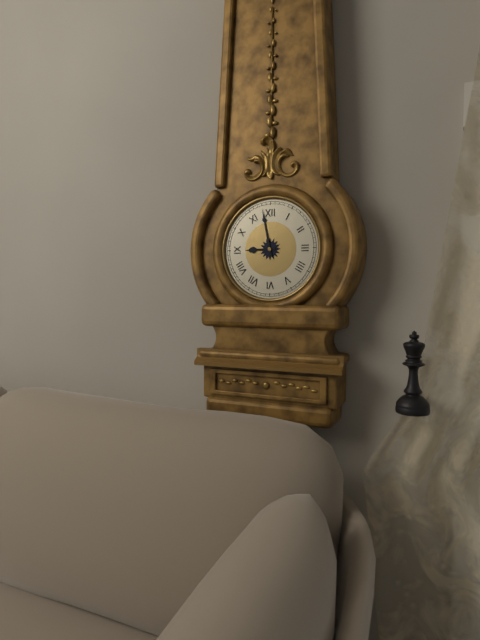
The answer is h=8 m=58
